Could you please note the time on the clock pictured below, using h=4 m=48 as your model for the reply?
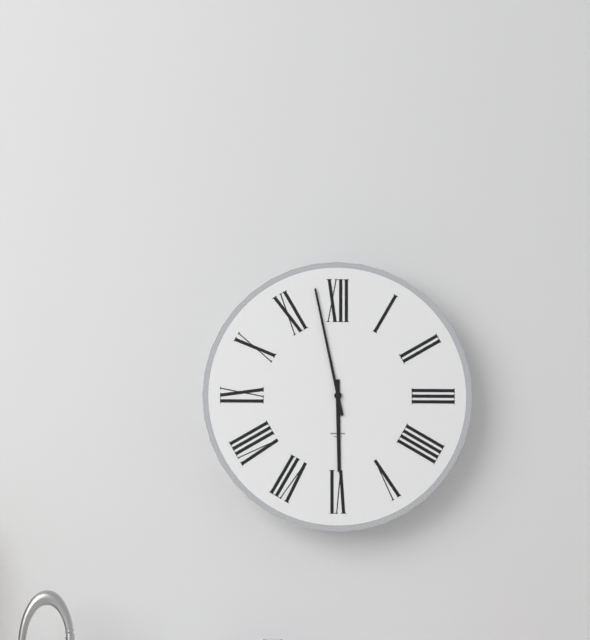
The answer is h=5 m=58
